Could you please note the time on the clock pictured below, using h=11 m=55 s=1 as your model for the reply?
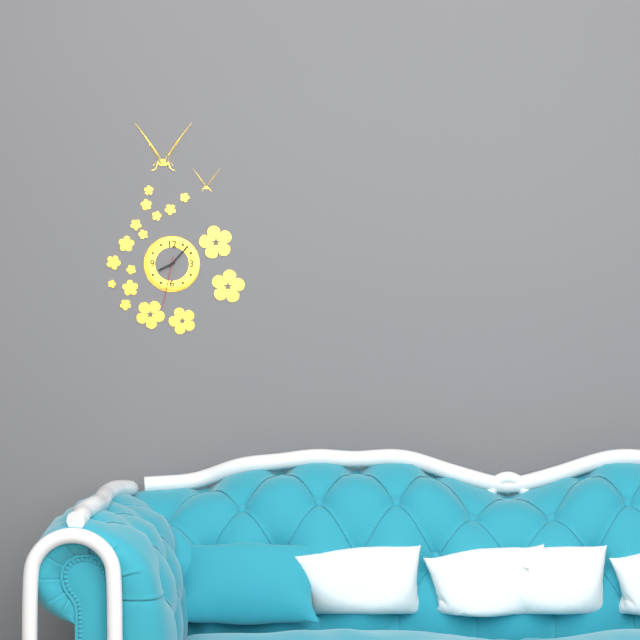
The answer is h=8 m=7 s=32
